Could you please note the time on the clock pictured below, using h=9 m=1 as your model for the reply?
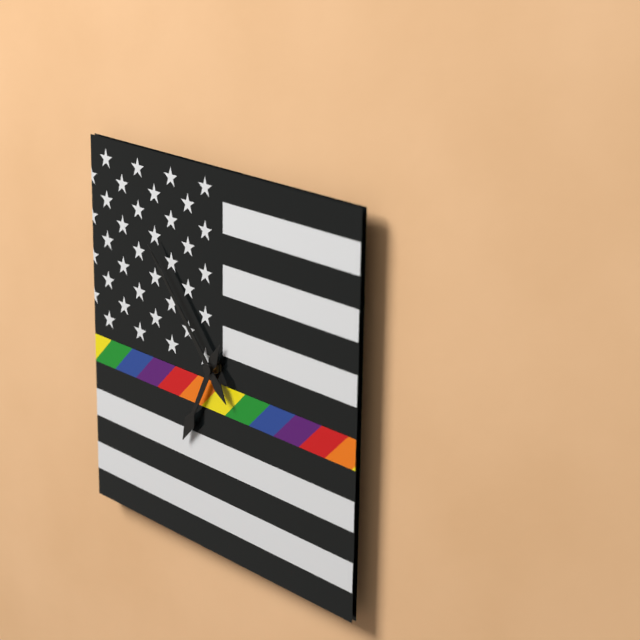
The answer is h=6 m=53
